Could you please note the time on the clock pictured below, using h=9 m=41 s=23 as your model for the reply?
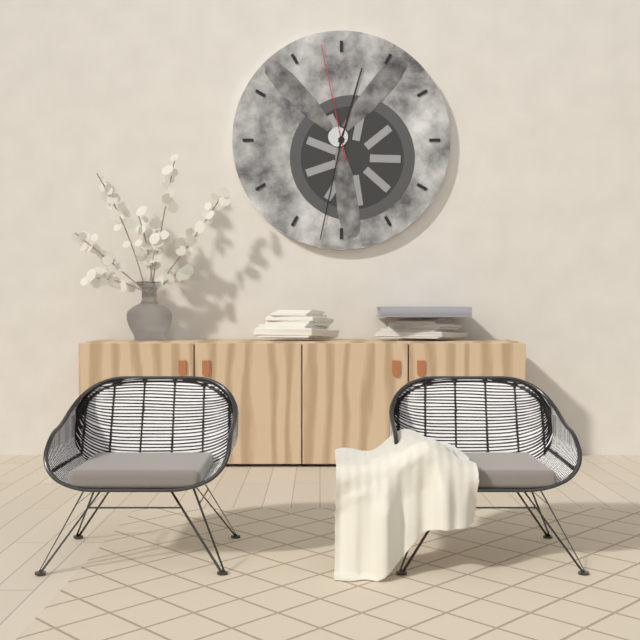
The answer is h=12 m=32 s=58
